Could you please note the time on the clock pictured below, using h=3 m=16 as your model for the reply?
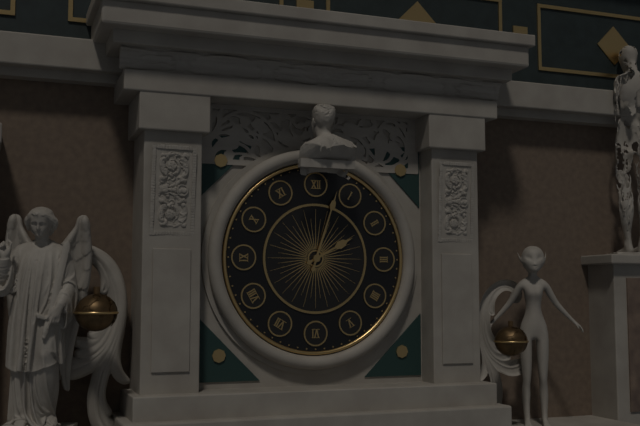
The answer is h=2 m=3
